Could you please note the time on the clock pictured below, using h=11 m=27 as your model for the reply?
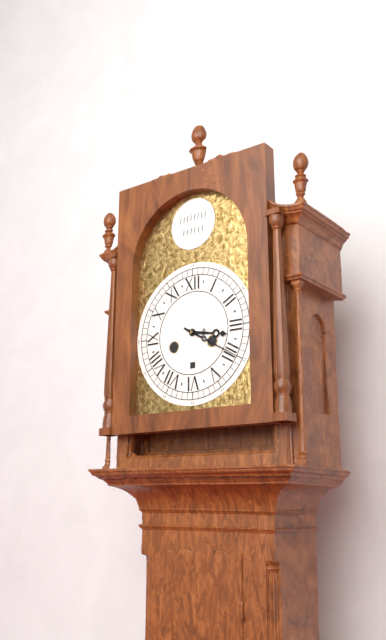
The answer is h=3 m=20
